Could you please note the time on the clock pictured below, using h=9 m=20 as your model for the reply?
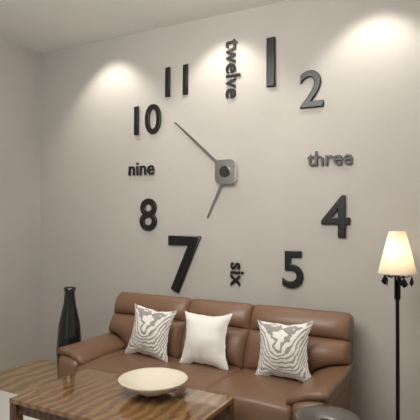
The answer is h=6 m=52
